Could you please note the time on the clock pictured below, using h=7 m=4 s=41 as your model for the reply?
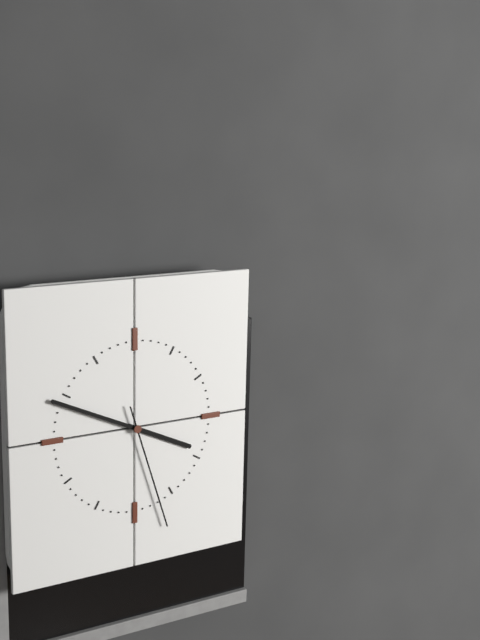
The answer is h=3 m=49 s=27
